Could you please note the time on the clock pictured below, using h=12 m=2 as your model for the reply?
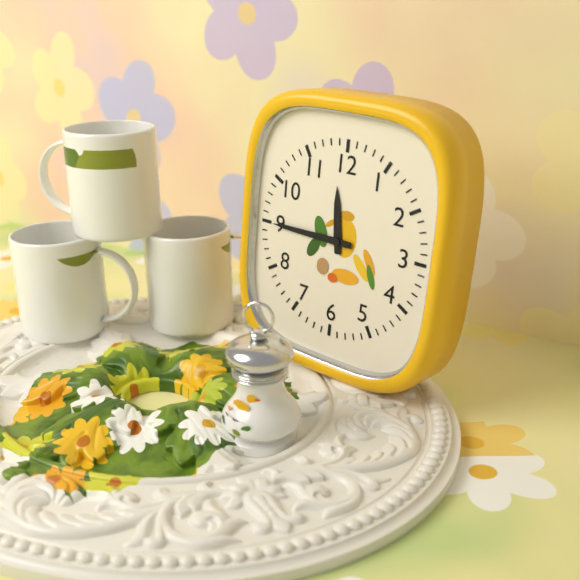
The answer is h=11 m=45
